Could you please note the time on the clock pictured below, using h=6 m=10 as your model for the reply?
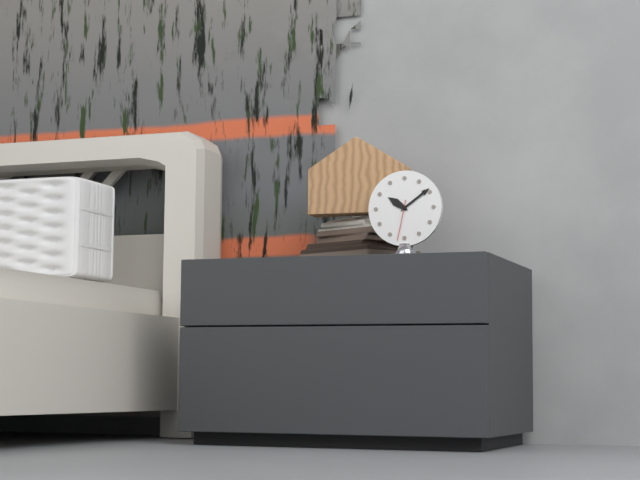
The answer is h=10 m=9
